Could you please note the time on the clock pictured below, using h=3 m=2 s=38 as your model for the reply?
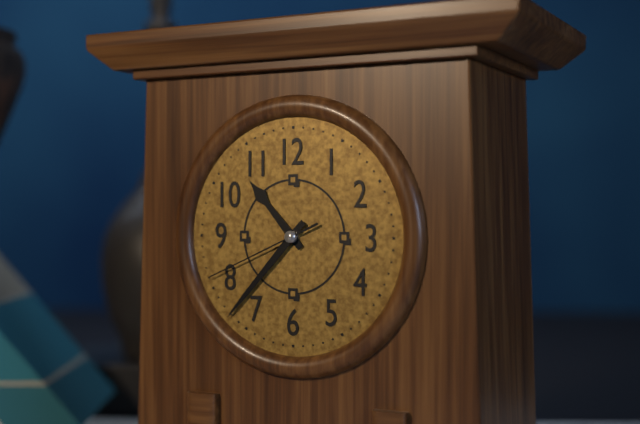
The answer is h=10 m=37 s=41
